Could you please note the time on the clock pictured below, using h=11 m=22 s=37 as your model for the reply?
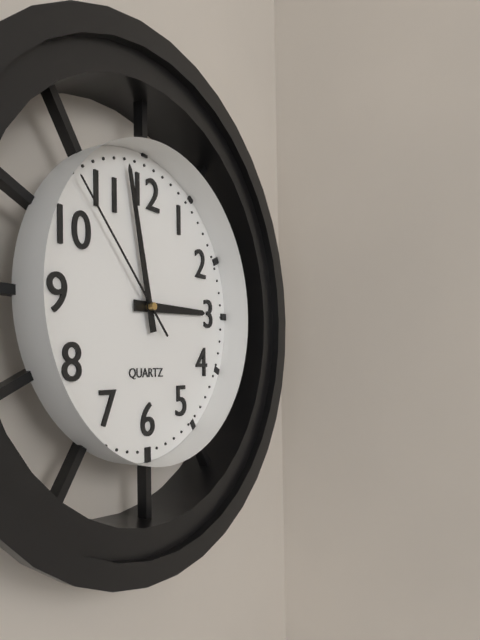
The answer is h=2 m=58 s=53
